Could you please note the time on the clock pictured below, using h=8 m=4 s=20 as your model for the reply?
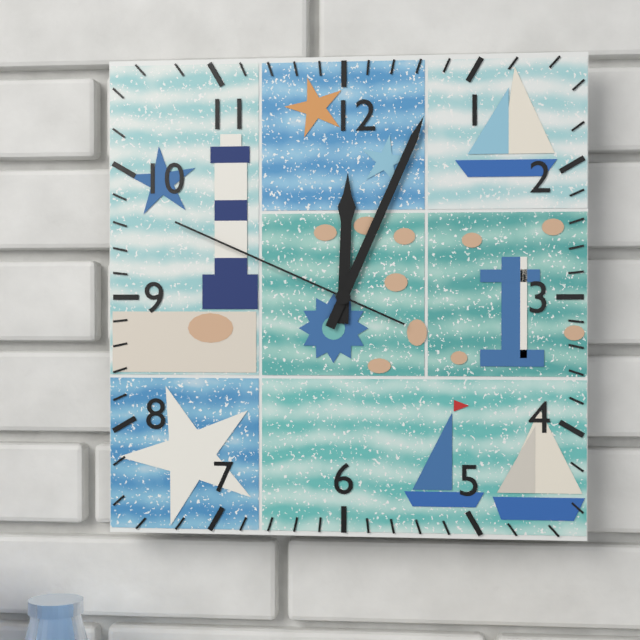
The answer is h=12 m=4 s=49
